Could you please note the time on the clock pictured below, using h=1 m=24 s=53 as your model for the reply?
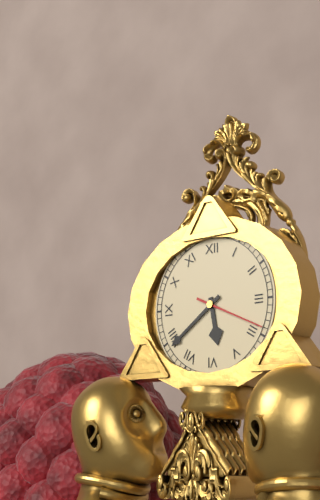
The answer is h=5 m=39 s=19
